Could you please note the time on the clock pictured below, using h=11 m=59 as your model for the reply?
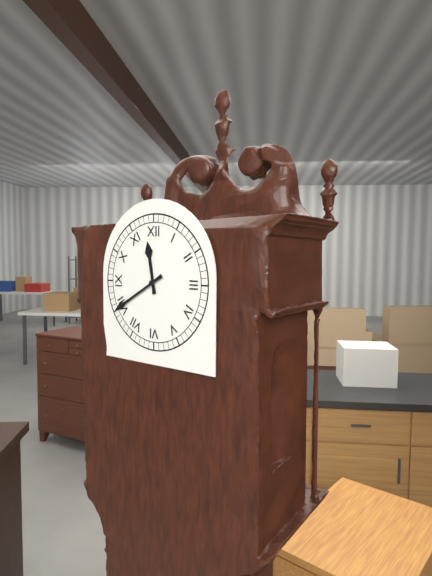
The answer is h=11 m=40
